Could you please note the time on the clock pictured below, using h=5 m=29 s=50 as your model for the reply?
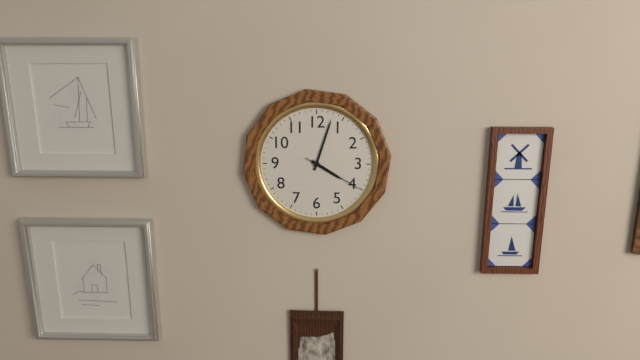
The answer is h=4 m=3 s=20
